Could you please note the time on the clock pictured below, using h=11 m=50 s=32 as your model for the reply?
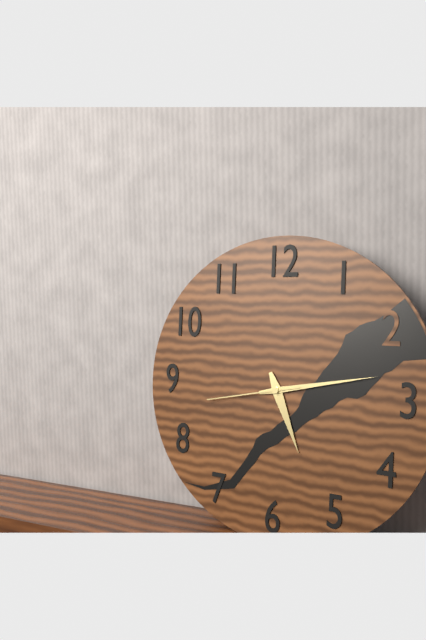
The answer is h=5 m=13 s=43
